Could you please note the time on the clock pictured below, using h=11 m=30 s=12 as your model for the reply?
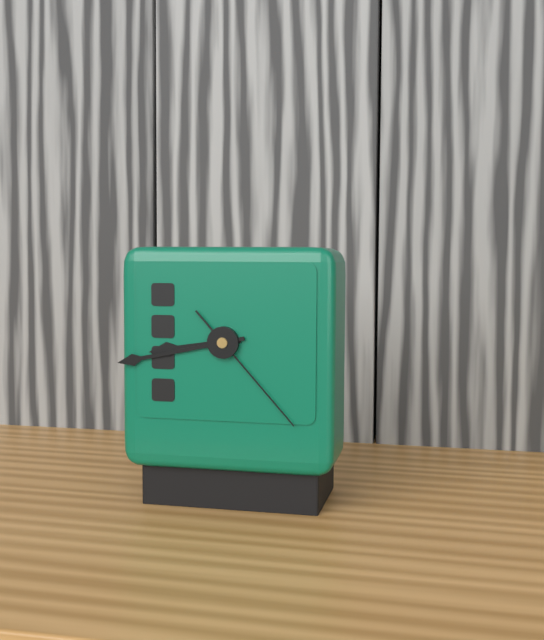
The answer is h=8 m=43 s=23
